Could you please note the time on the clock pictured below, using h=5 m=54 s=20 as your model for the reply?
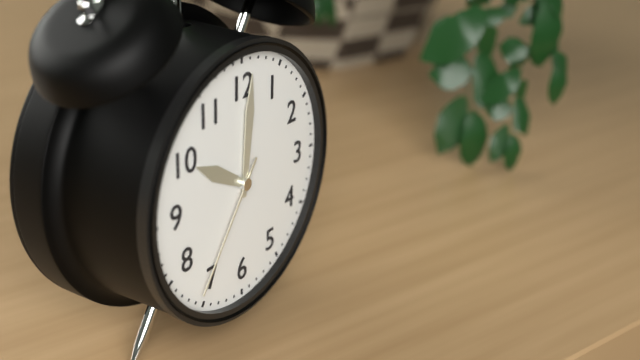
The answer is h=10 m=1 s=36
